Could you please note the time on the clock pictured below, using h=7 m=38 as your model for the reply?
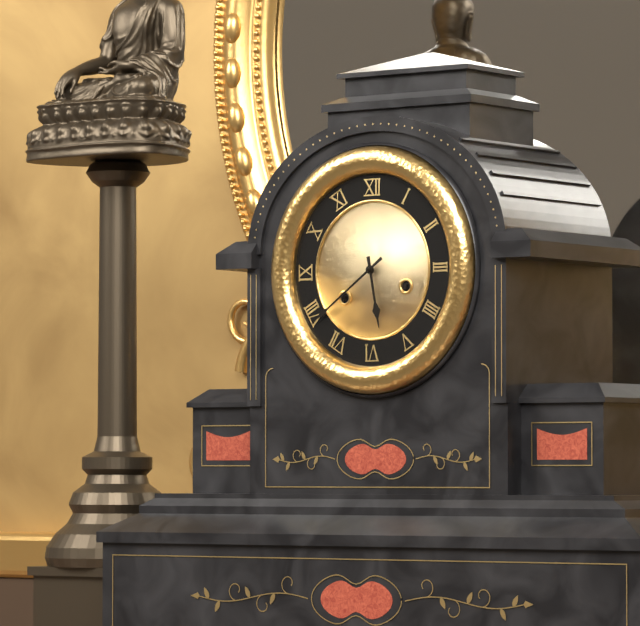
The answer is h=5 m=39
